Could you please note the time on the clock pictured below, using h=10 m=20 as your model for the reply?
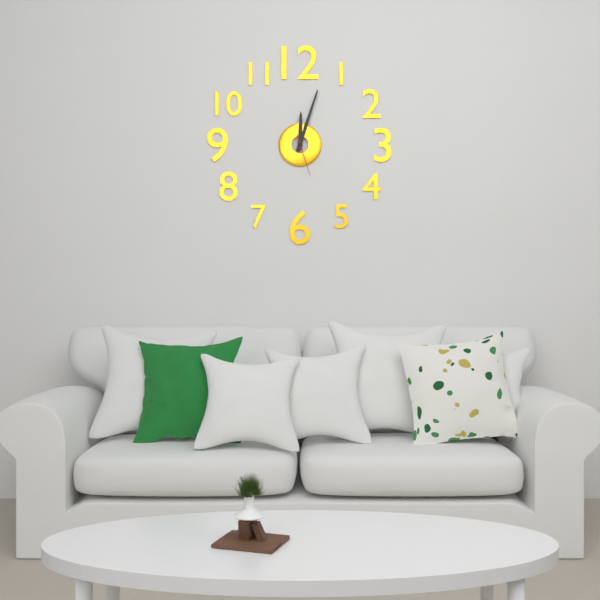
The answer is h=12 m=3
